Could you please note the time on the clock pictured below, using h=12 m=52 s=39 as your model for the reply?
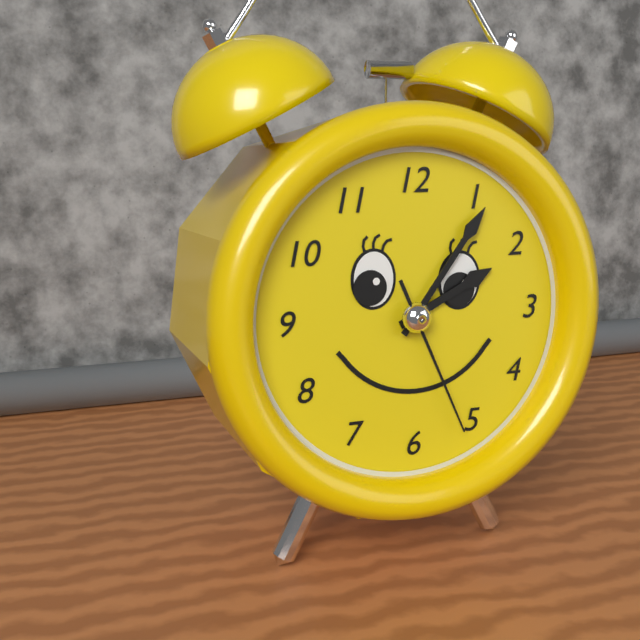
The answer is h=2 m=6 s=26
